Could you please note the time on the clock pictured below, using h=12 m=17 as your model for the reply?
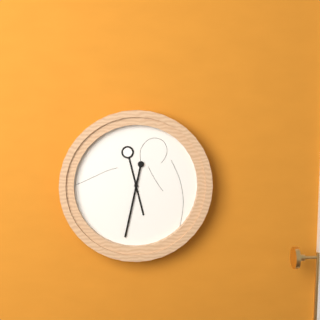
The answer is h=5 m=32
